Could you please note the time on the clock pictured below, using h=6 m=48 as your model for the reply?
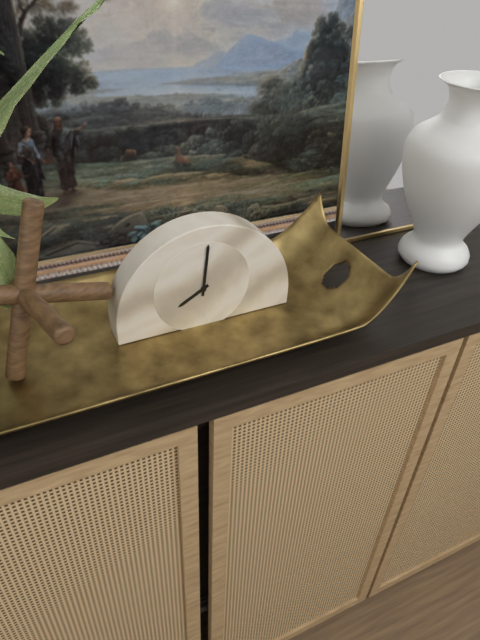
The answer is h=8 m=1
